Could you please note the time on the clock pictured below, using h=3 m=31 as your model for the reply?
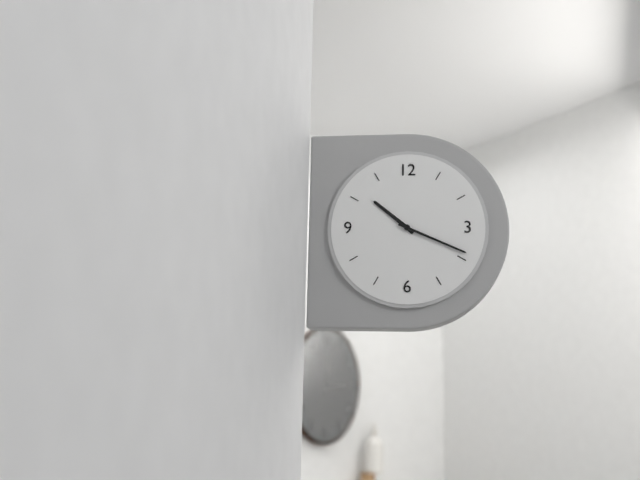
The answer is h=10 m=19
